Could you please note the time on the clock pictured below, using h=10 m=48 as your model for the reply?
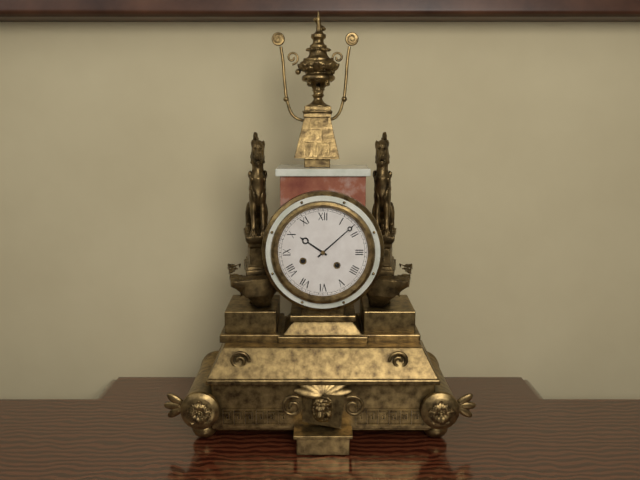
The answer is h=10 m=8
